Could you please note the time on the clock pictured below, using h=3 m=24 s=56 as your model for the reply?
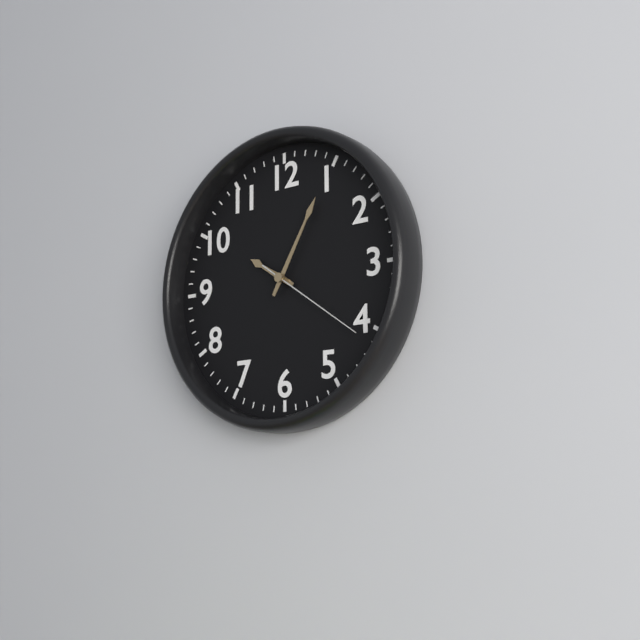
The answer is h=10 m=5 s=21
